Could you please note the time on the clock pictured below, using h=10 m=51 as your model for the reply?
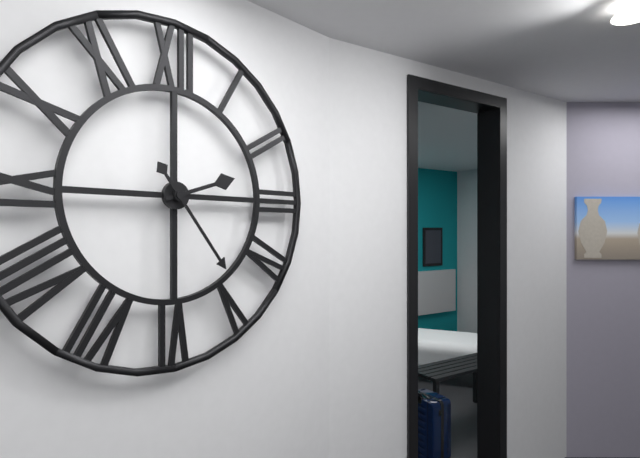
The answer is h=2 m=24
